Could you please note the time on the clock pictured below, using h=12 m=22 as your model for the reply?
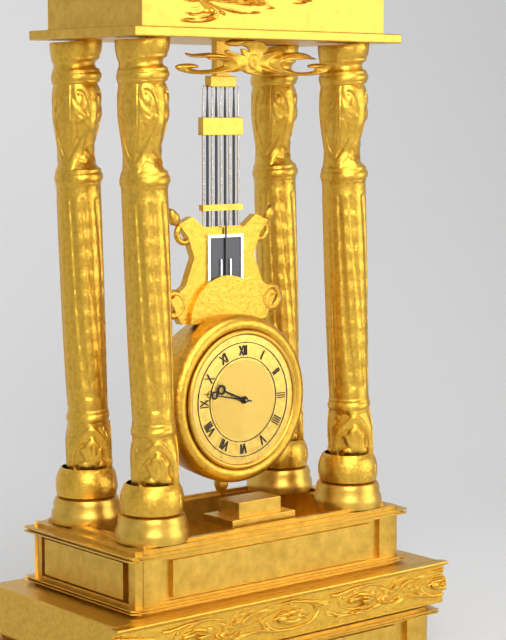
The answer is h=9 m=47
